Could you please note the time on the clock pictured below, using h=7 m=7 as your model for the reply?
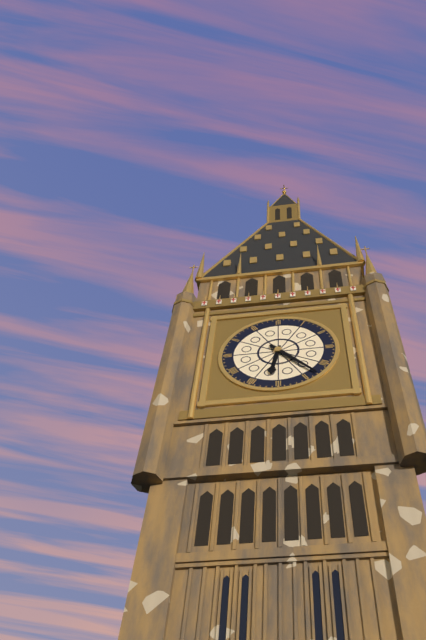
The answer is h=6 m=23
